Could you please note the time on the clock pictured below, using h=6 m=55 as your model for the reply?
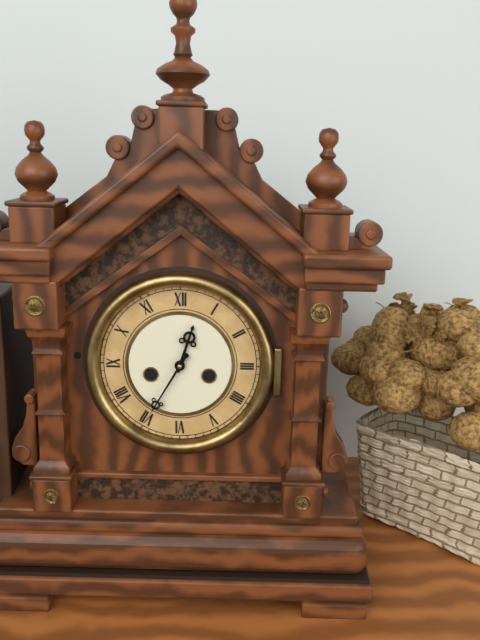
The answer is h=12 m=35
